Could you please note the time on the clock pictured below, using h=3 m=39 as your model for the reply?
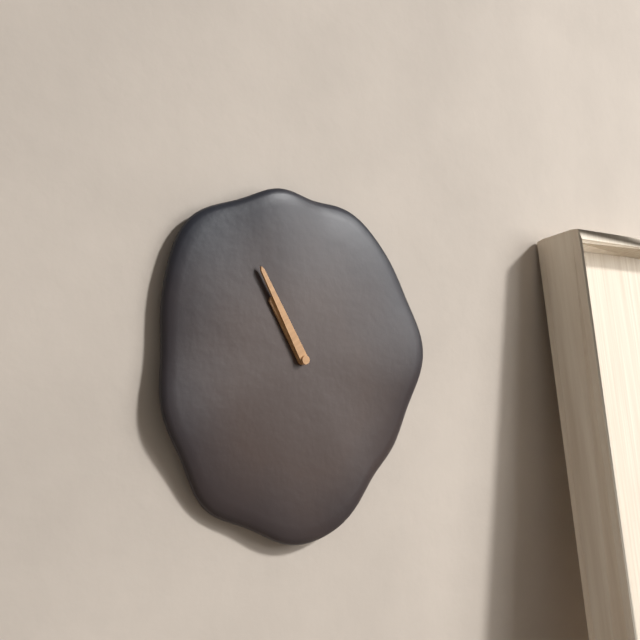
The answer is h=10 m=55
